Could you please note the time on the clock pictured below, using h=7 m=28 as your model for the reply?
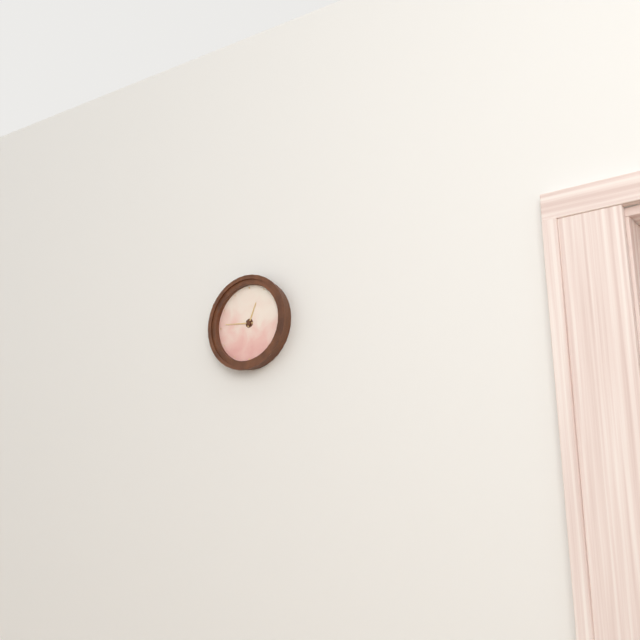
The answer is h=12 m=46
